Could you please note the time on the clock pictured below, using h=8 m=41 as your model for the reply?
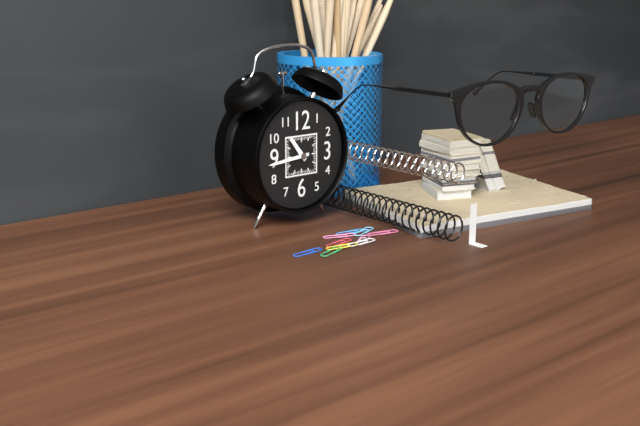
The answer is h=10 m=44
